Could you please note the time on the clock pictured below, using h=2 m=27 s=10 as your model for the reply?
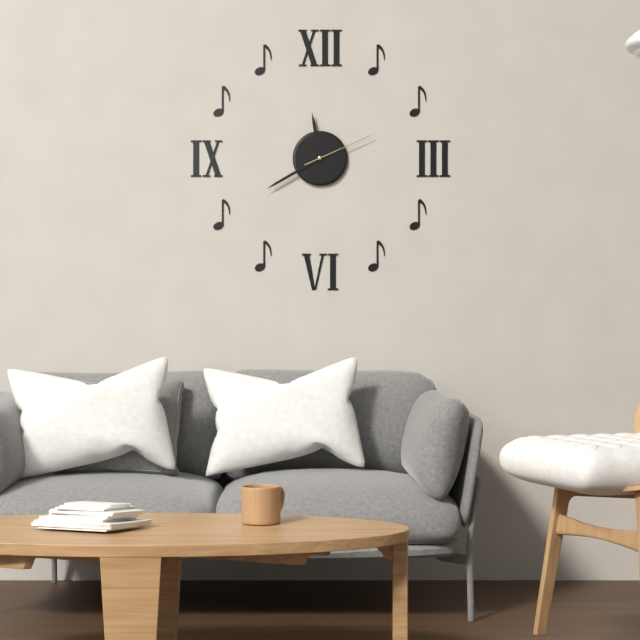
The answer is h=11 m=40 s=11
